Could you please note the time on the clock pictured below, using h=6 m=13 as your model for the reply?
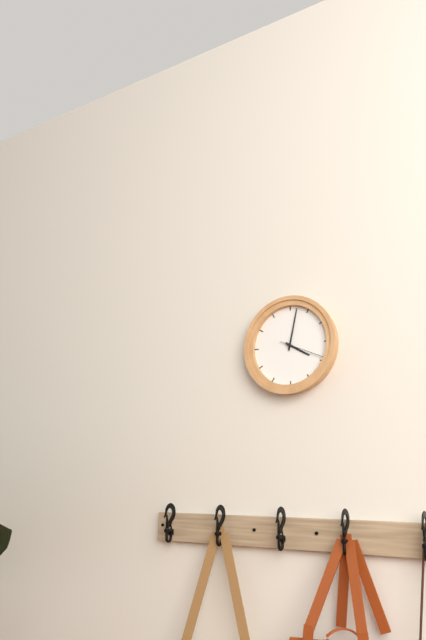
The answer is h=4 m=2
